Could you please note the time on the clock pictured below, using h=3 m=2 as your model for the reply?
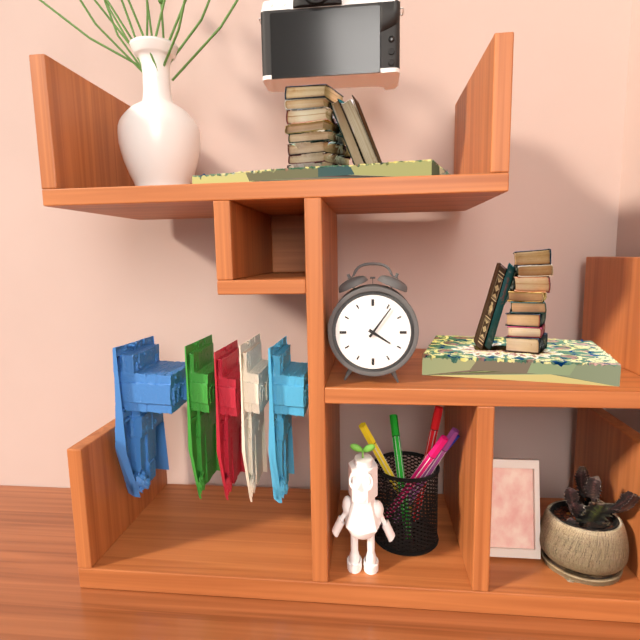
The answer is h=4 m=6
